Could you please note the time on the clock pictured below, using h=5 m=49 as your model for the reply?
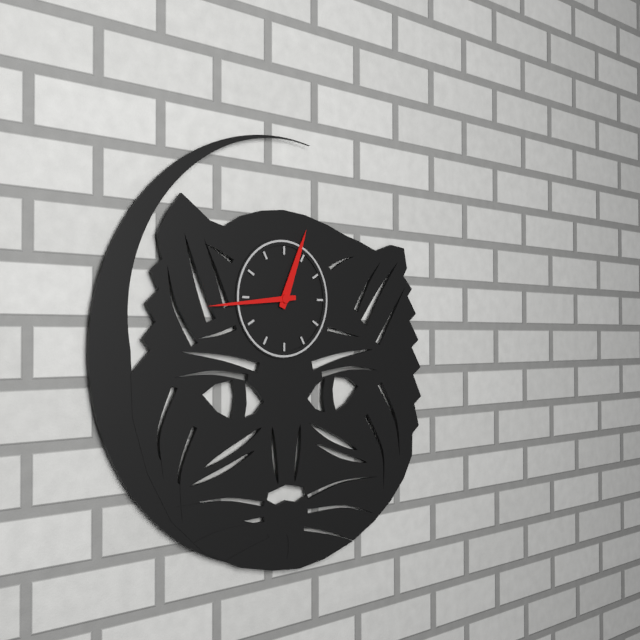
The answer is h=12 m=44
